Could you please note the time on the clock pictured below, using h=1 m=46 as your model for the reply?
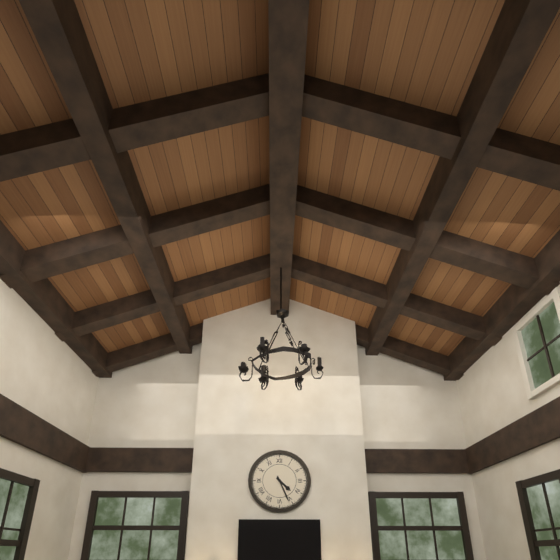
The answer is h=4 m=26
